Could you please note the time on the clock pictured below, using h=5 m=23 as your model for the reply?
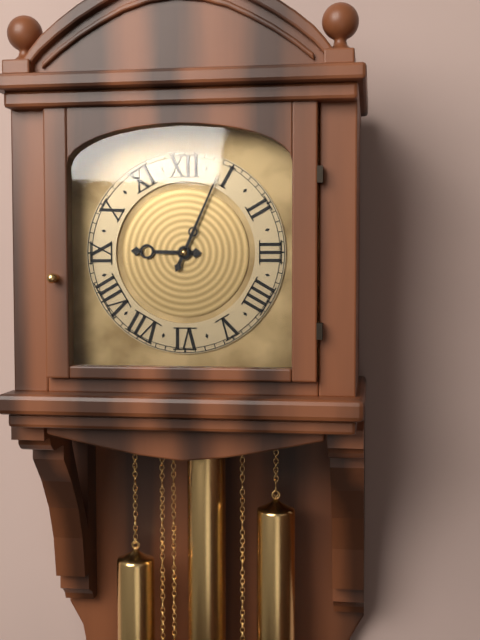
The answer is h=9 m=4
